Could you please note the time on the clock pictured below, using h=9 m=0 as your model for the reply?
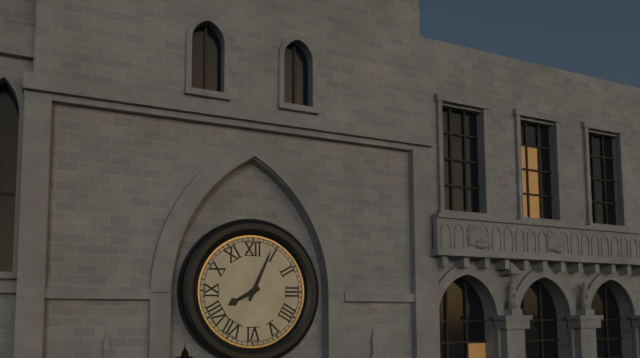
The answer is h=8 m=4
